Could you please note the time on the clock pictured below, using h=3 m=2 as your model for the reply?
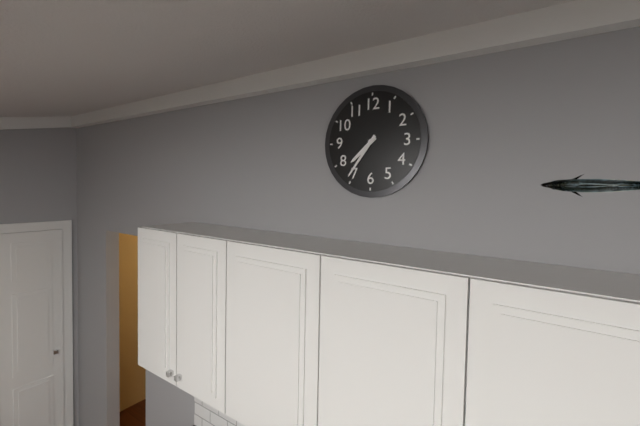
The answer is h=7 m=36
